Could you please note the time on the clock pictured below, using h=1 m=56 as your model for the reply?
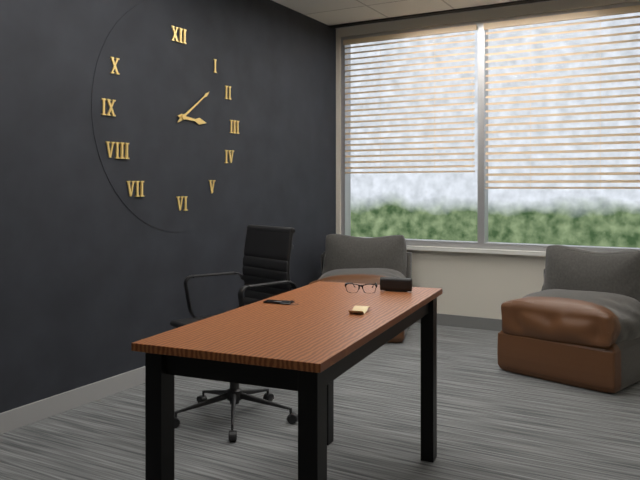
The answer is h=3 m=9
